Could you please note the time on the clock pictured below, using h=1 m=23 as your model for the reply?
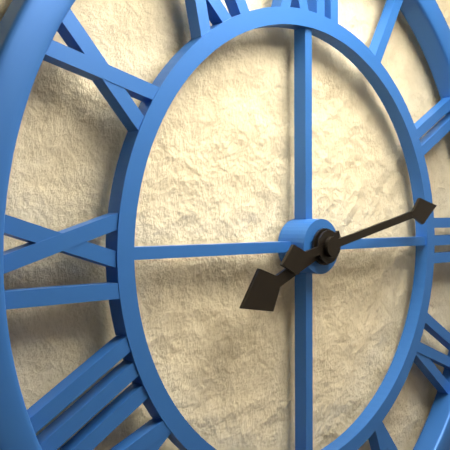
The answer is h=8 m=13
